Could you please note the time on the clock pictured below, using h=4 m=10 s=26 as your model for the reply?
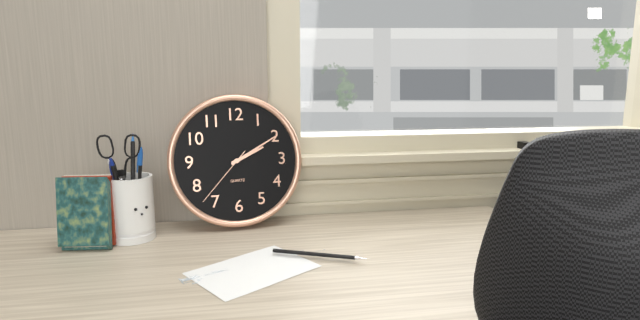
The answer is h=2 m=10 s=37
